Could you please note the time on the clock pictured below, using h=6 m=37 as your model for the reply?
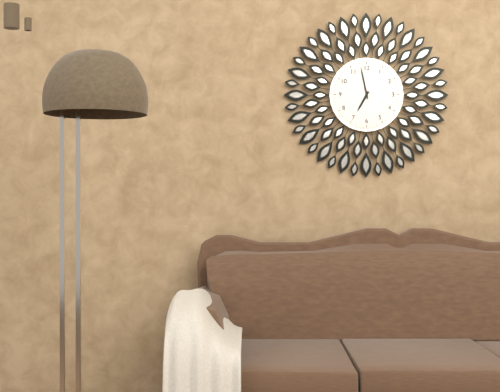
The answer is h=6 m=58
